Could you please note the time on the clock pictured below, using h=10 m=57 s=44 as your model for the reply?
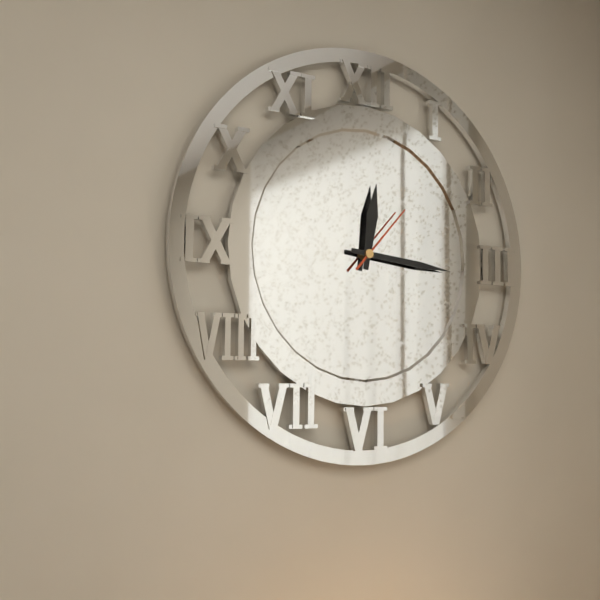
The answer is h=12 m=16 s=7
